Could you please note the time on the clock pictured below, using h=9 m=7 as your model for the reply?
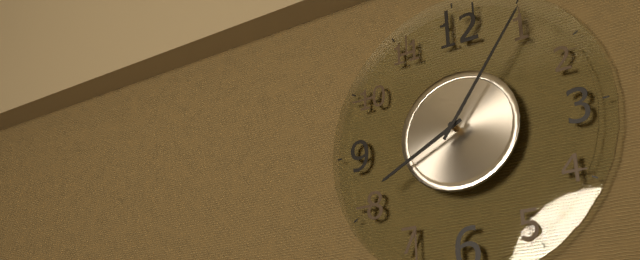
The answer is h=8 m=6
